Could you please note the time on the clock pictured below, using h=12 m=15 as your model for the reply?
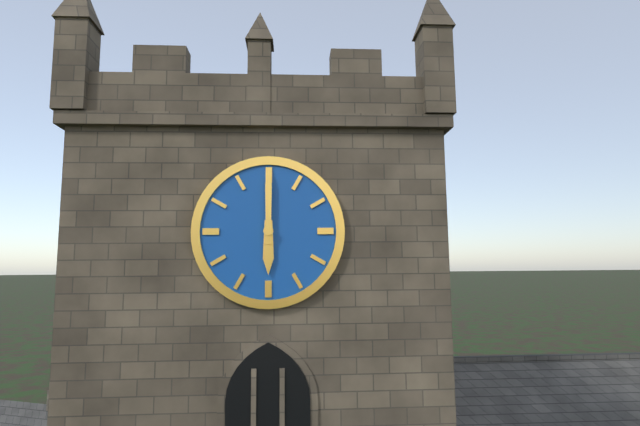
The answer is h=6 m=0
